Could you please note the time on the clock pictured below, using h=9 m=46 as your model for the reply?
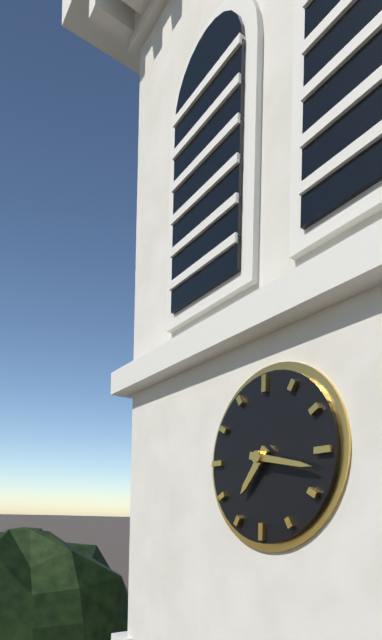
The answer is h=7 m=17
